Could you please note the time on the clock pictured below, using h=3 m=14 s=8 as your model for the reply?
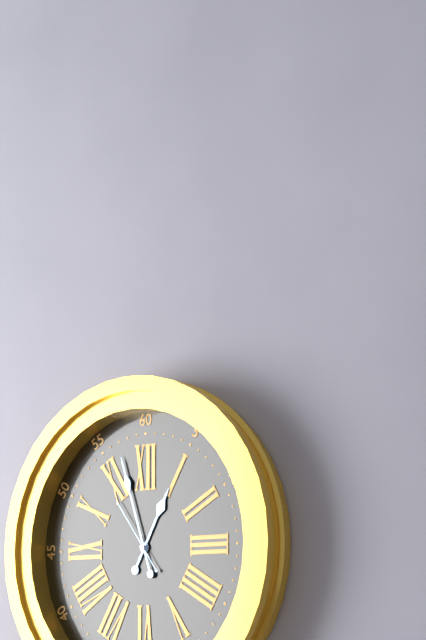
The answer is h=12 m=57 s=54
